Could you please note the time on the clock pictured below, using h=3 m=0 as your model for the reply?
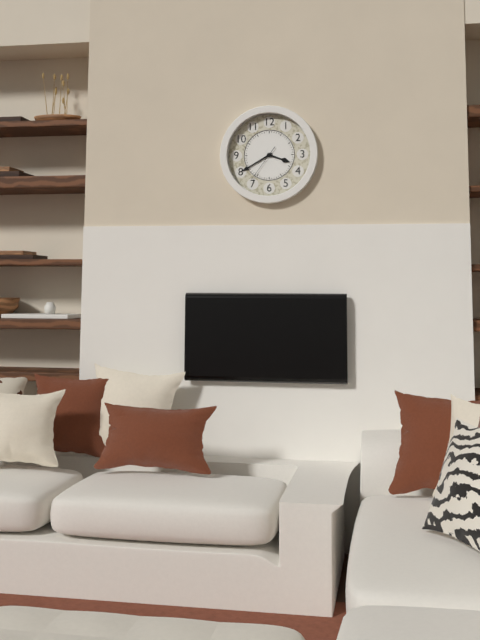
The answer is h=3 m=40
